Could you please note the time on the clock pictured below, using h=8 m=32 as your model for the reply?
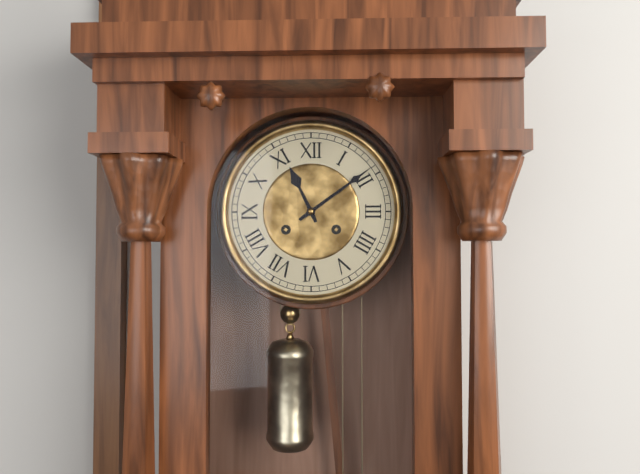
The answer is h=11 m=9
